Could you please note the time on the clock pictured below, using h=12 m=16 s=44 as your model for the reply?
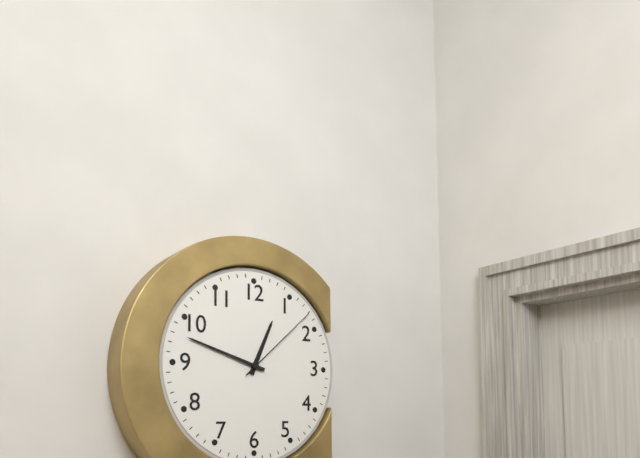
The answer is h=12 m=48 s=8
